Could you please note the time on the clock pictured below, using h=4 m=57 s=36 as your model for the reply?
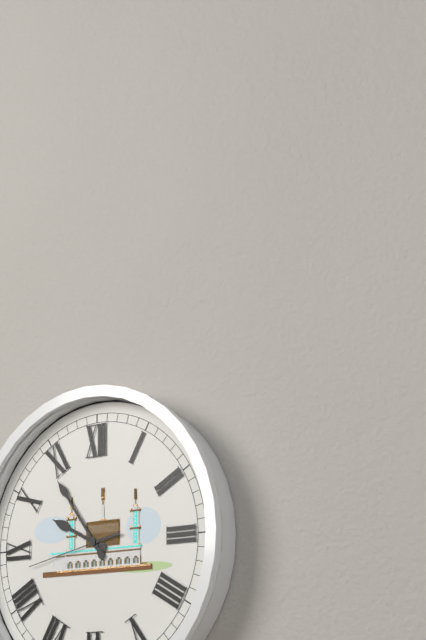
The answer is h=9 m=54 s=43
